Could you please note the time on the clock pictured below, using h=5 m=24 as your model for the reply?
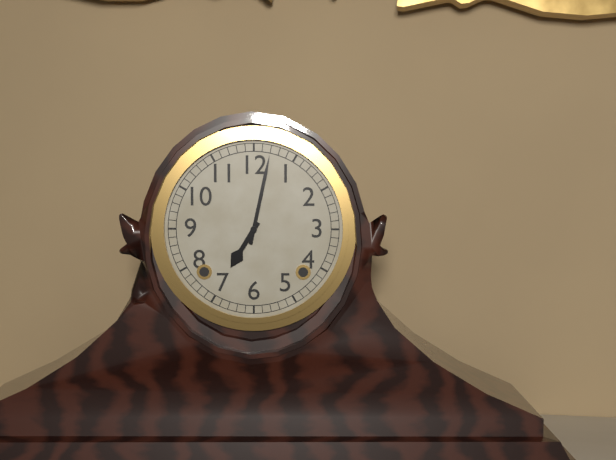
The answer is h=7 m=2
